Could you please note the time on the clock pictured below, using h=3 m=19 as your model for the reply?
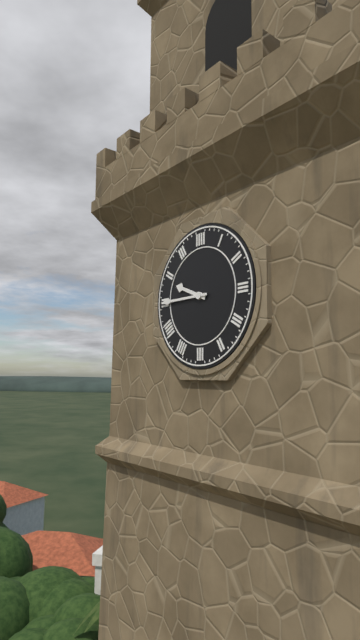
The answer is h=9 m=45
